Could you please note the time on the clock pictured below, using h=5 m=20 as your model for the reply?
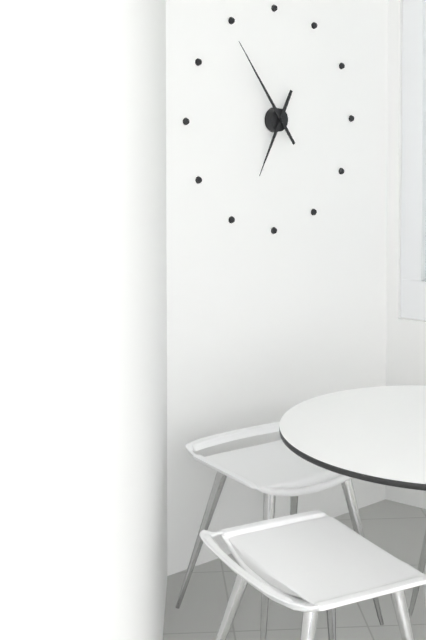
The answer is h=6 m=54
